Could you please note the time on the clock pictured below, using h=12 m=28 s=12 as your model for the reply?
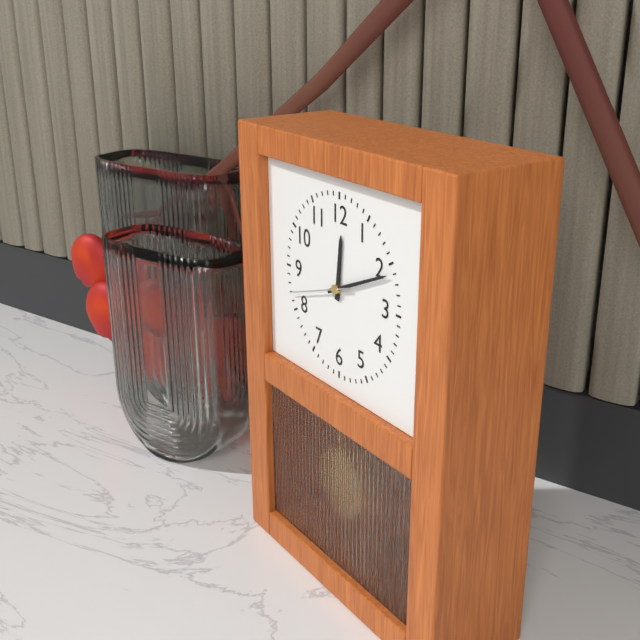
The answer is h=12 m=11 s=42
